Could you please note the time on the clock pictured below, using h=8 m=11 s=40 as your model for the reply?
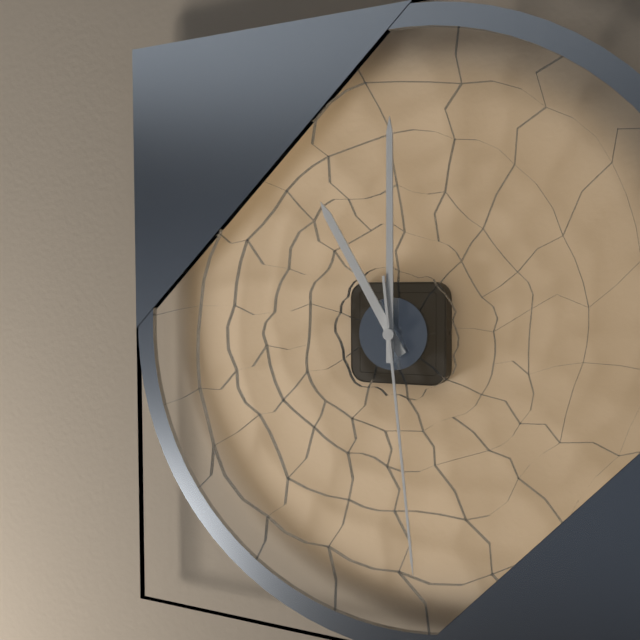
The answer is h=11 m=0 s=29
